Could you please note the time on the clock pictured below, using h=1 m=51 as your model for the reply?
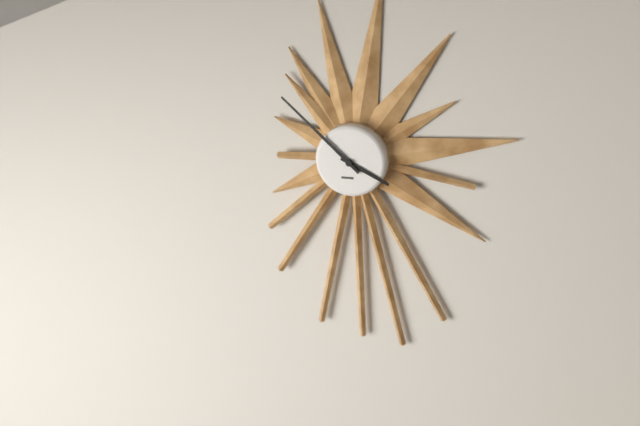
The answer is h=3 m=52
